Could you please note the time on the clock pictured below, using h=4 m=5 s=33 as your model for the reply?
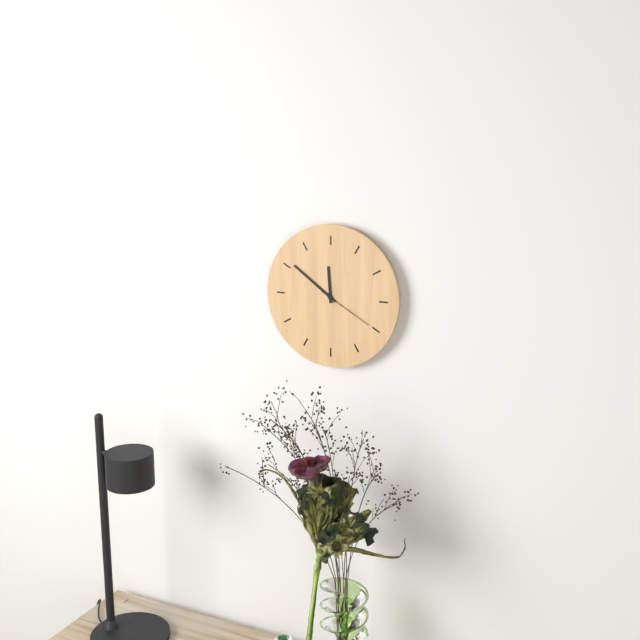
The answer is h=11 m=51 s=20
